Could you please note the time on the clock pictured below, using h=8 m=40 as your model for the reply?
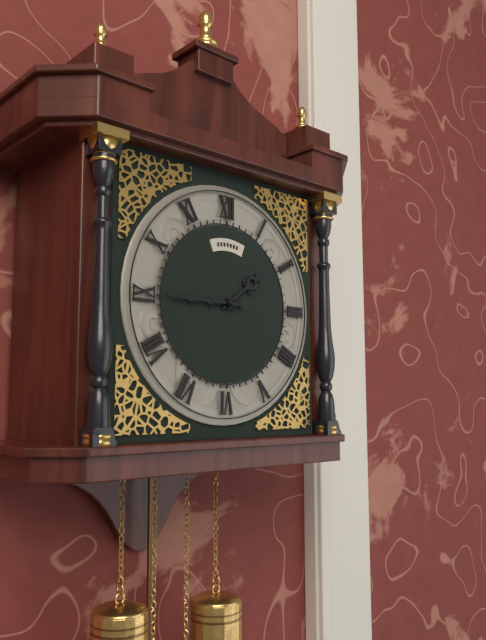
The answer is h=1 m=45
